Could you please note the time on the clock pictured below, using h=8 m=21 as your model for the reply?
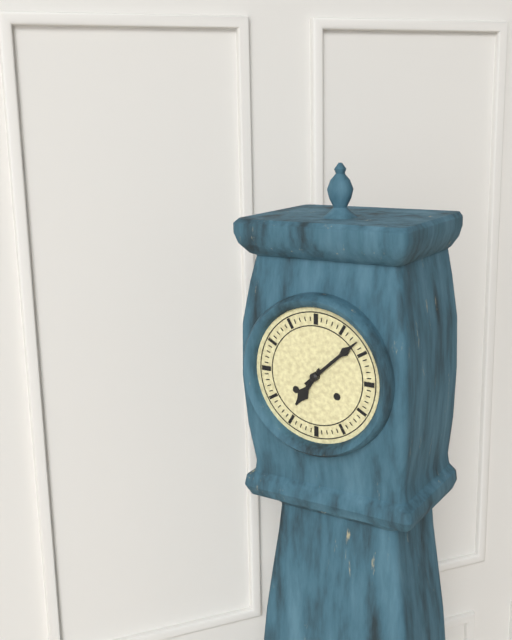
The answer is h=7 m=8
